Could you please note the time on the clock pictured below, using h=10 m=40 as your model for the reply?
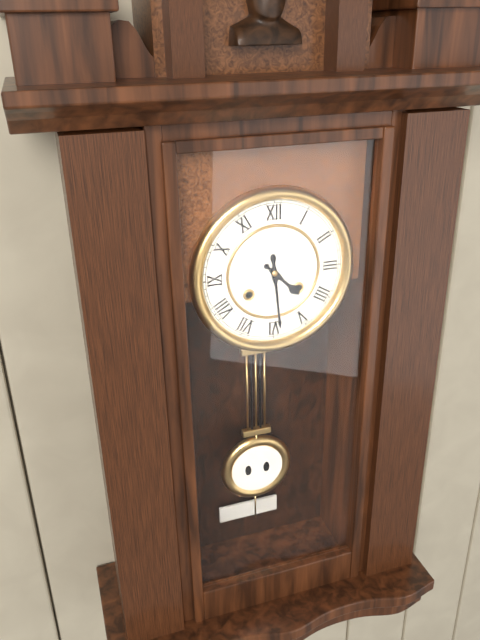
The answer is h=4 m=29
